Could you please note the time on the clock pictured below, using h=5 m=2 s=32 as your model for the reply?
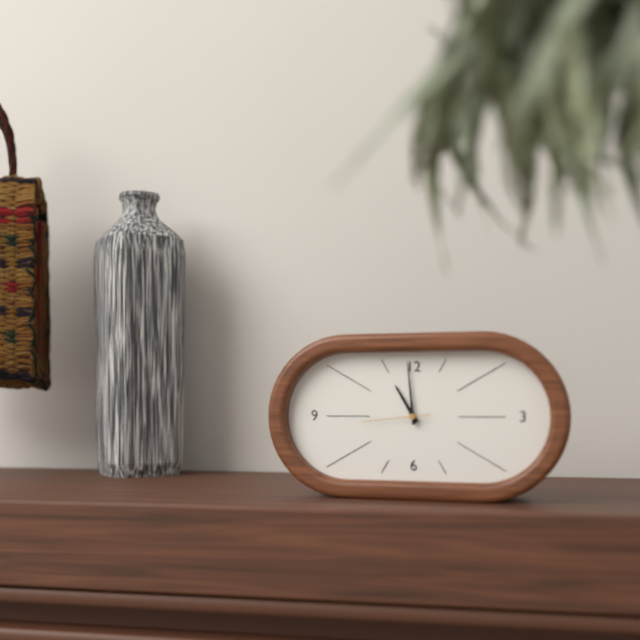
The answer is h=10 m=59 s=44
